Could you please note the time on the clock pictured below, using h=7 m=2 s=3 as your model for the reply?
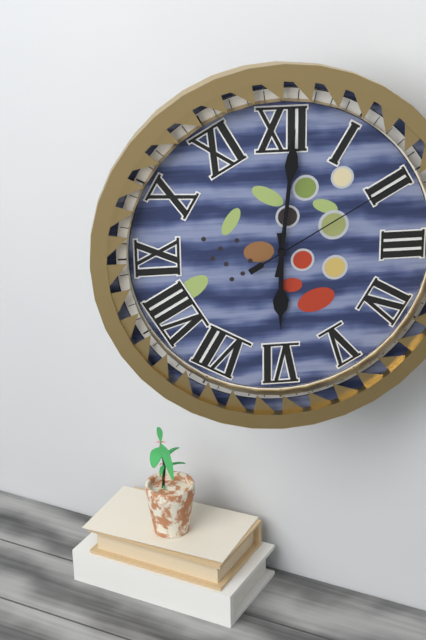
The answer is h=6 m=1 s=10
